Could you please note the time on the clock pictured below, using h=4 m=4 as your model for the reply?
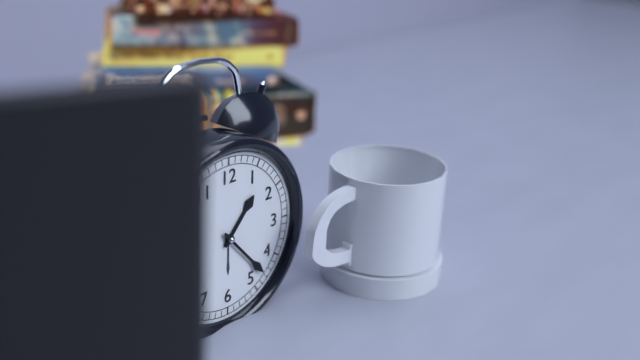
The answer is h=1 m=23
